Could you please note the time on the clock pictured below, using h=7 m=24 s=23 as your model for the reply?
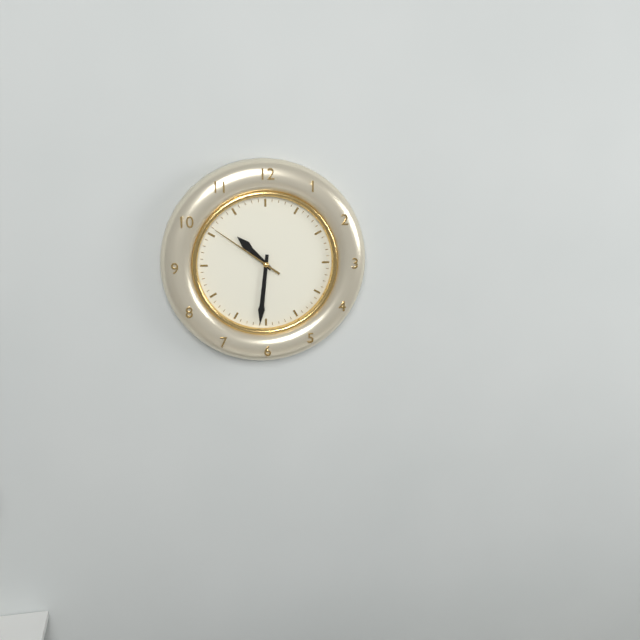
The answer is h=10 m=31 s=51
